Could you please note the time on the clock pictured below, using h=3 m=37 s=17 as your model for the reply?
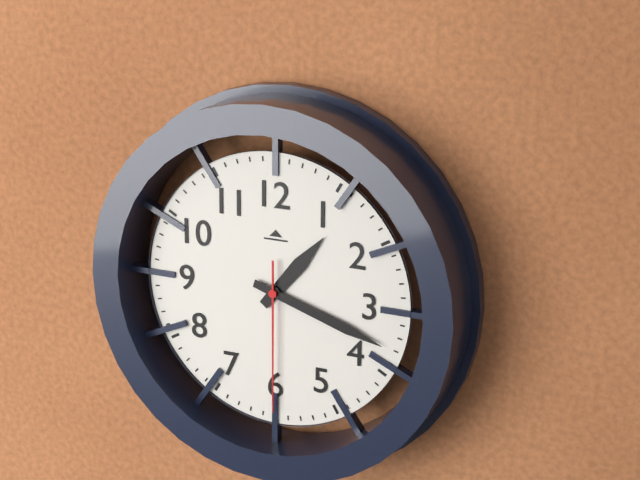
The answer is h=1 m=18 s=30
